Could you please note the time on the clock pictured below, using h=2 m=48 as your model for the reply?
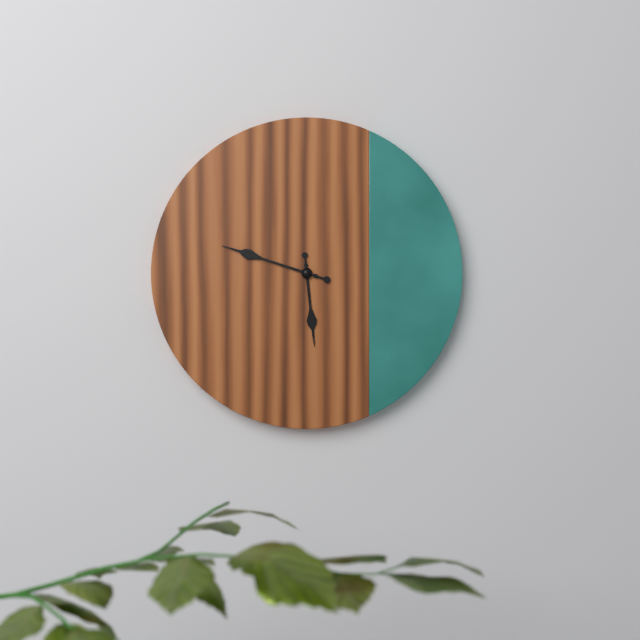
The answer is h=5 m=48
